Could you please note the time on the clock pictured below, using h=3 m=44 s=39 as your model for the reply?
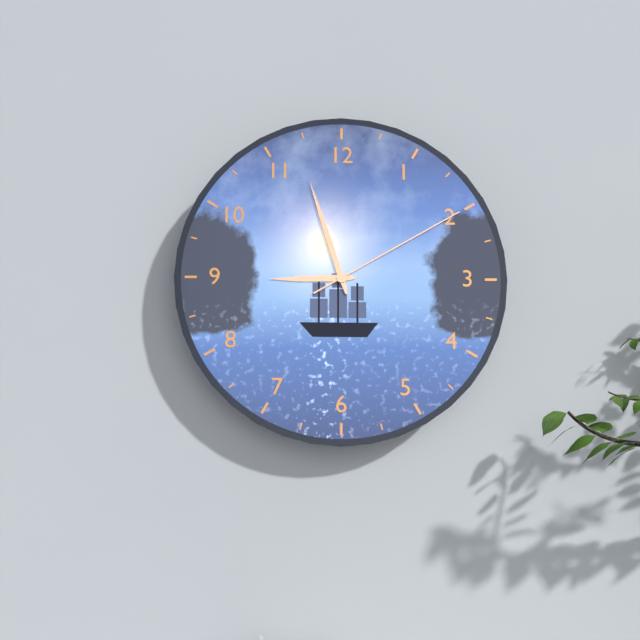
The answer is h=8 m=57 s=10
